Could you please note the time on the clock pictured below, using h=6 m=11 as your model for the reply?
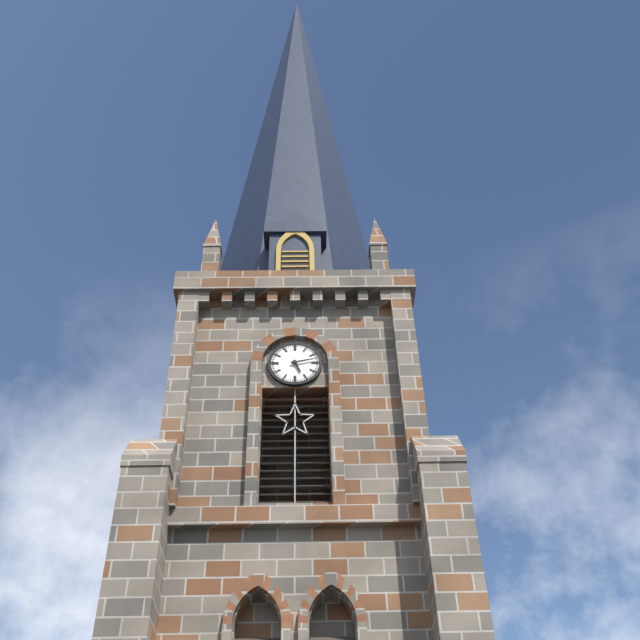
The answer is h=5 m=13
